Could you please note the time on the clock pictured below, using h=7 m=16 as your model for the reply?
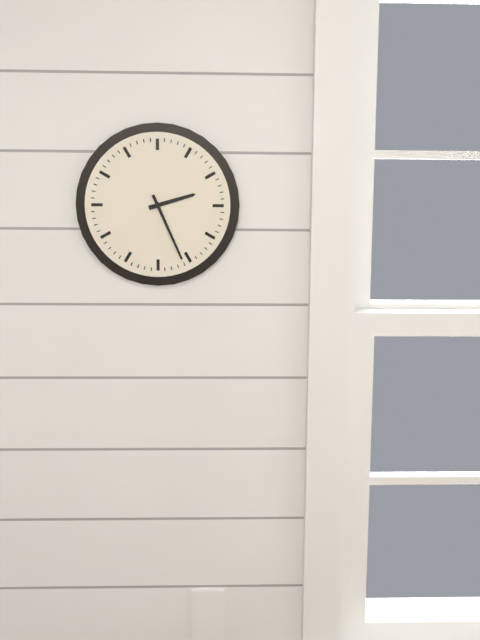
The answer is h=2 m=26
